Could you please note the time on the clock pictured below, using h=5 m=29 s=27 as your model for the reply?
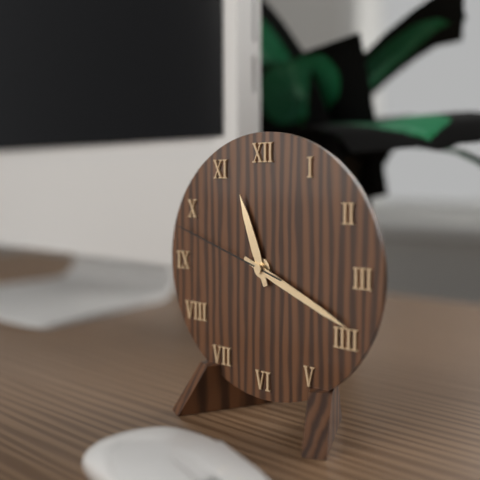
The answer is h=11 m=19 s=48
